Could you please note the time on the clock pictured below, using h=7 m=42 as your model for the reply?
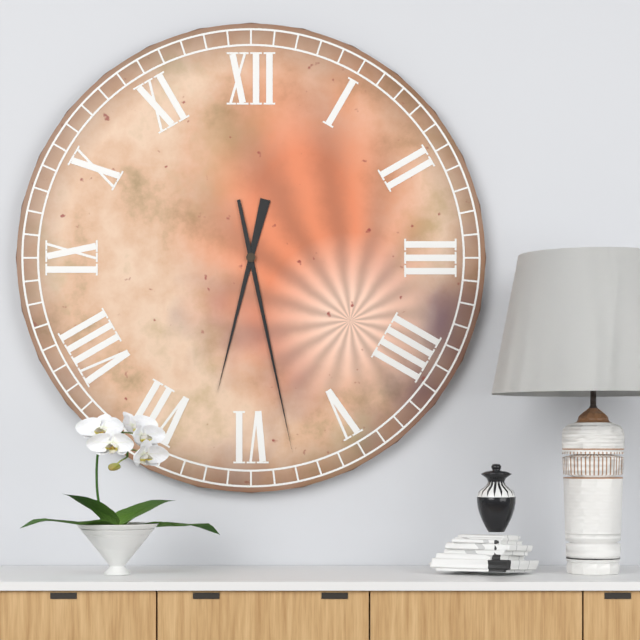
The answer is h=6 m=28
